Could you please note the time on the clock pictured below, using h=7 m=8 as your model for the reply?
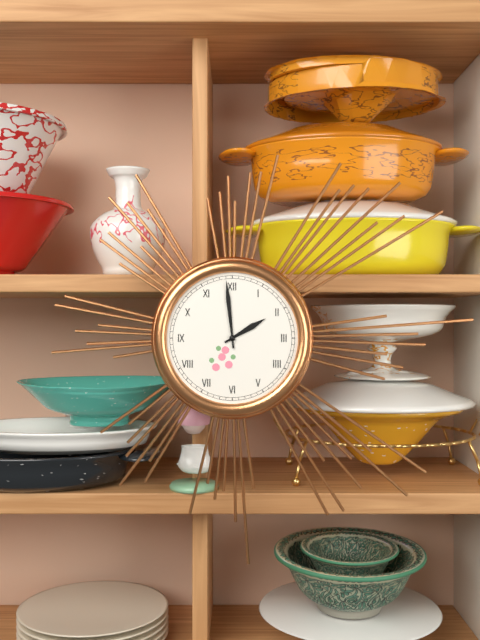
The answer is h=1 m=59
